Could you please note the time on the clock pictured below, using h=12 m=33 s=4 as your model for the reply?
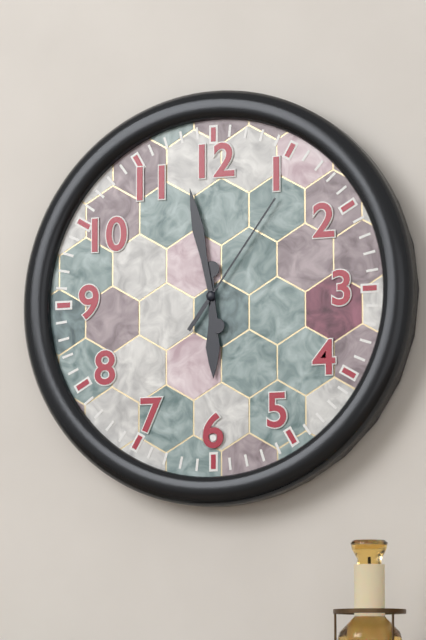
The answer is h=5 m=58 s=6
